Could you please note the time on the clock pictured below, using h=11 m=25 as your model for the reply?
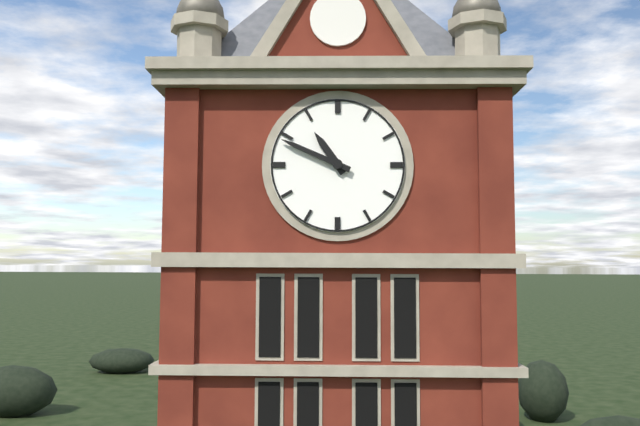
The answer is h=10 m=49
